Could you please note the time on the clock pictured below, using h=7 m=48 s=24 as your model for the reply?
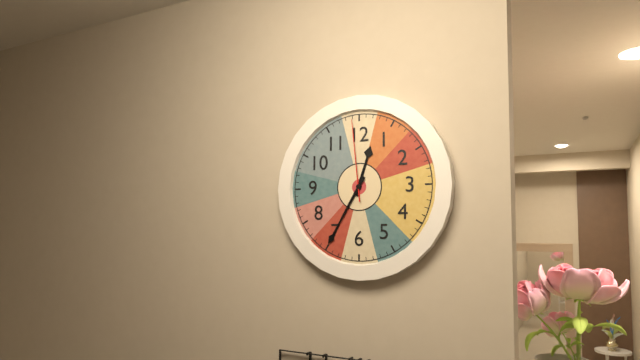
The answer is h=12 m=35 s=59
